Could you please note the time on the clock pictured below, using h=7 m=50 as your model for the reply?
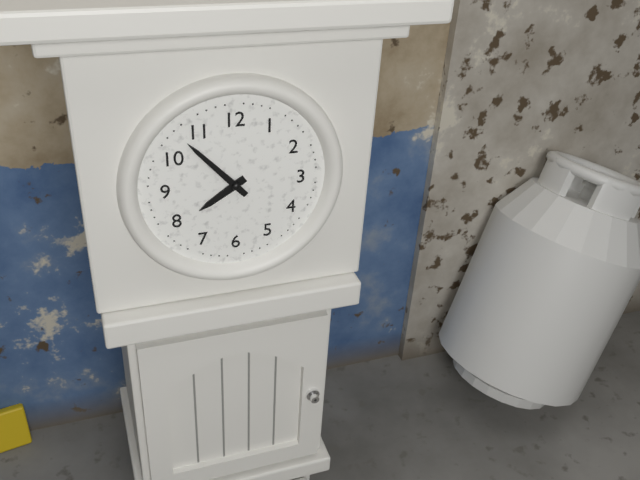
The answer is h=7 m=53
